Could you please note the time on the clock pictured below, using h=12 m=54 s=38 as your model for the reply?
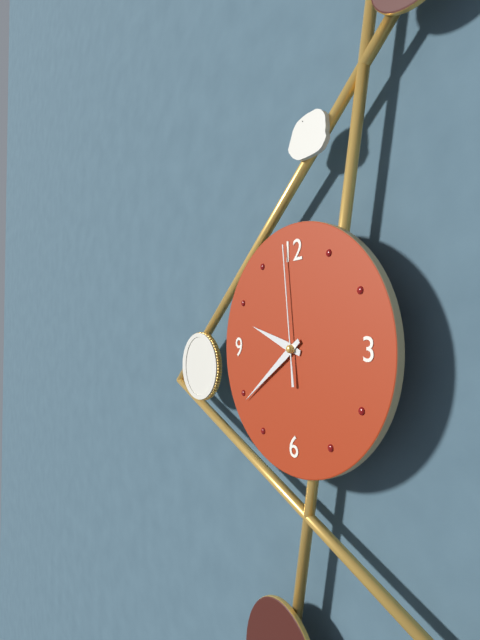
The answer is h=9 m=39 s=59
